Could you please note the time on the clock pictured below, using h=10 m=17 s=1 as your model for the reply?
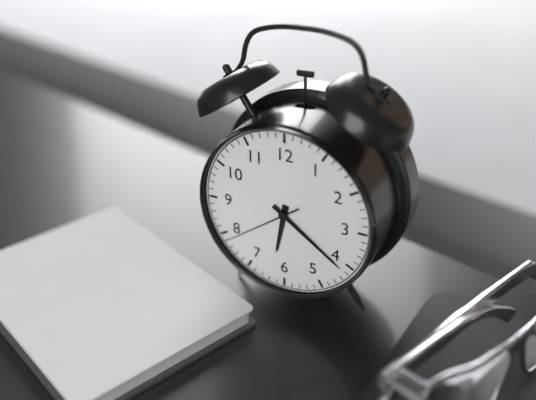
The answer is h=6 m=21 s=39
